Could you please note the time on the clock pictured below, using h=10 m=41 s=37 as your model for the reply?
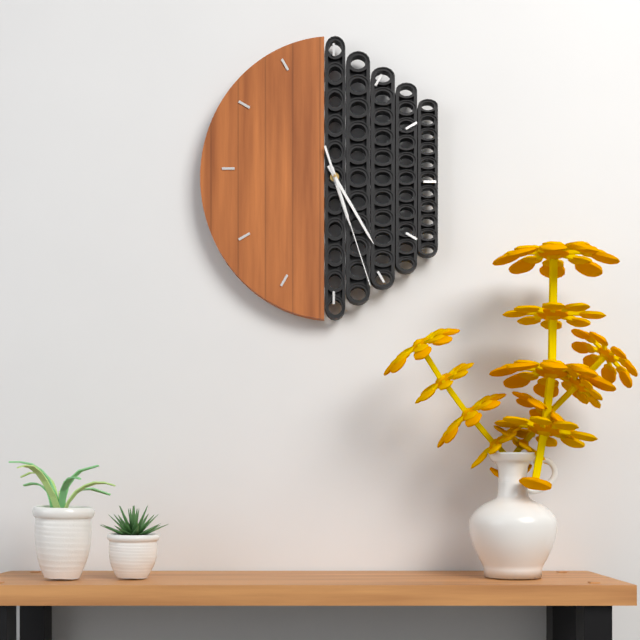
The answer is h=5 m=25 s=27
